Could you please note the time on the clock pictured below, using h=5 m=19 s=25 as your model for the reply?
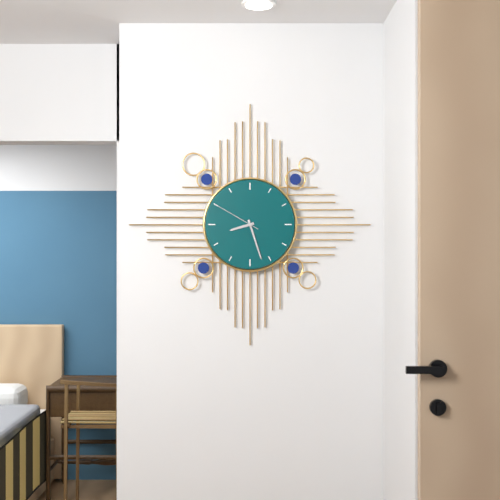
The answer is h=8 m=27 s=50
